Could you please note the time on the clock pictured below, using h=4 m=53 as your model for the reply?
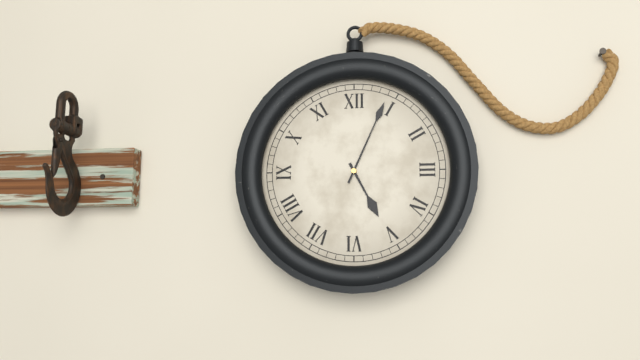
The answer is h=5 m=4
